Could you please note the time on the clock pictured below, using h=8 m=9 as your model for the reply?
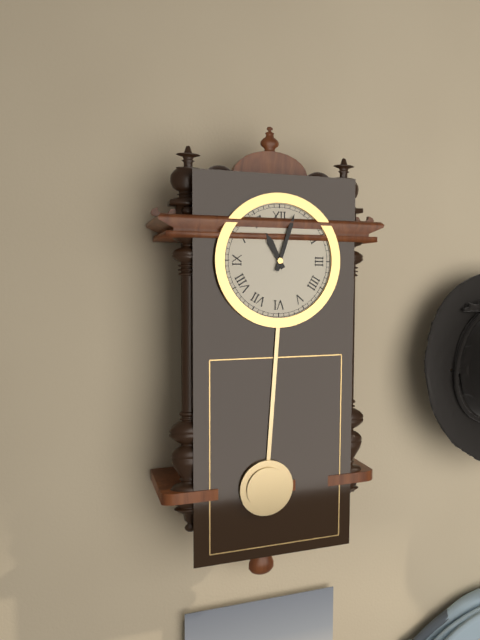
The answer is h=11 m=3
